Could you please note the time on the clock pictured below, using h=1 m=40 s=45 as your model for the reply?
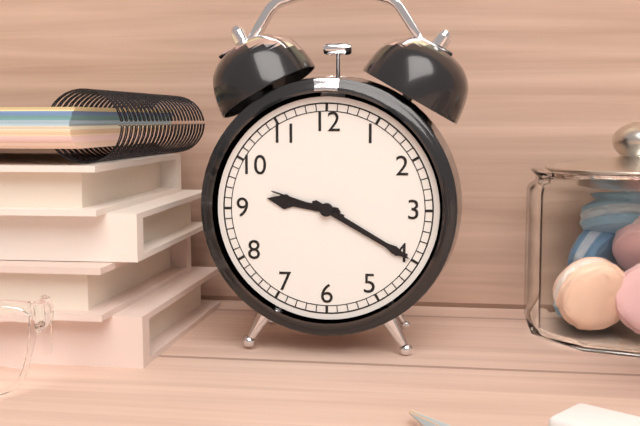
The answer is h=9 m=20 s=48
